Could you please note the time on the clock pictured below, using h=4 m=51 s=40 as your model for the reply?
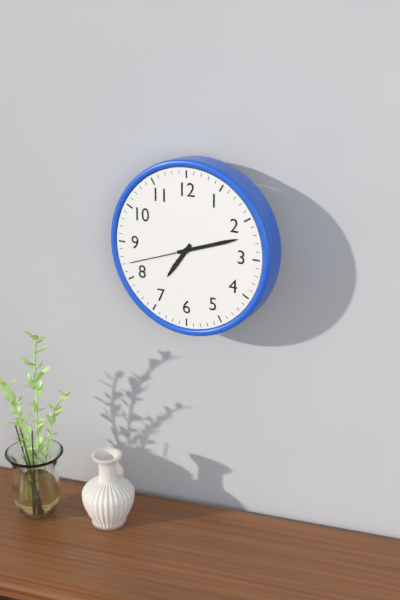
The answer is h=7 m=12 s=42
